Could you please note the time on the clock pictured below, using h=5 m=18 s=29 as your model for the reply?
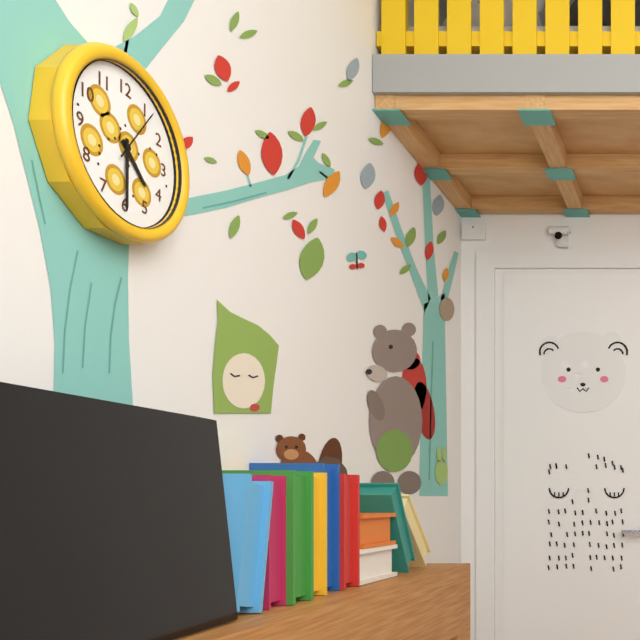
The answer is h=4 m=30 s=6
